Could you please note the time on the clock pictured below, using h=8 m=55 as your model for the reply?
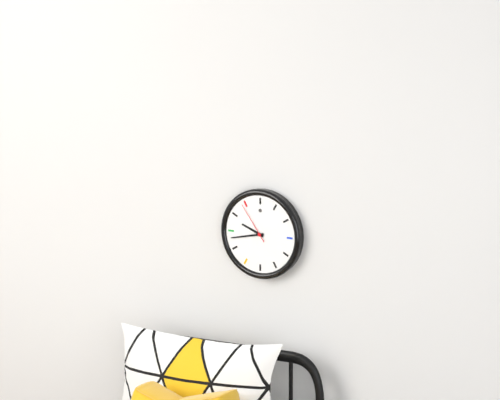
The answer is h=9 m=43
